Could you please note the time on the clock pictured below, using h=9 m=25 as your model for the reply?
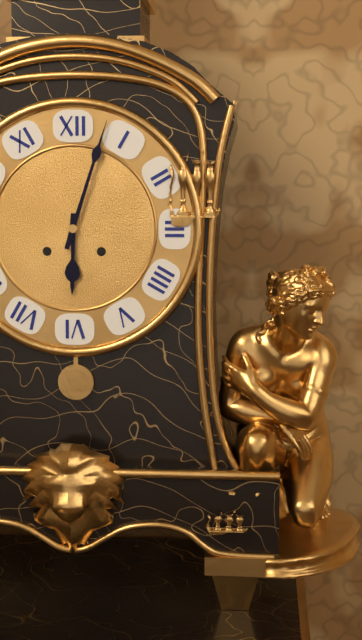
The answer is h=6 m=3
